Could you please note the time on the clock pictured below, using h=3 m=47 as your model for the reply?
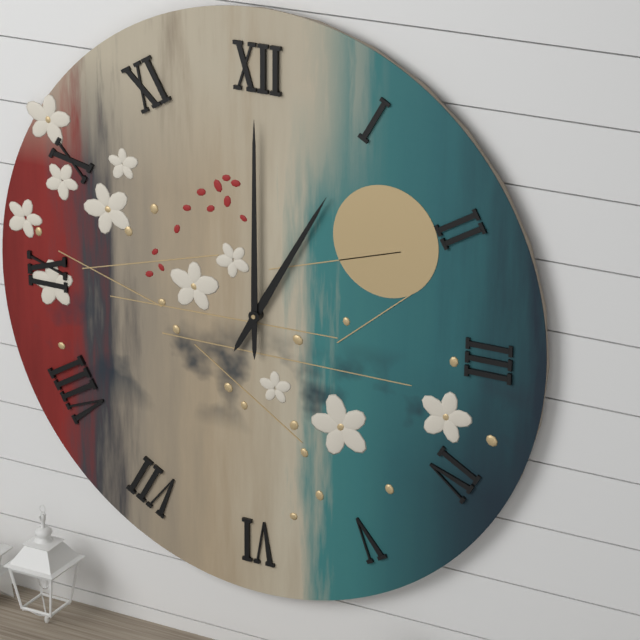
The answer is h=1 m=0
